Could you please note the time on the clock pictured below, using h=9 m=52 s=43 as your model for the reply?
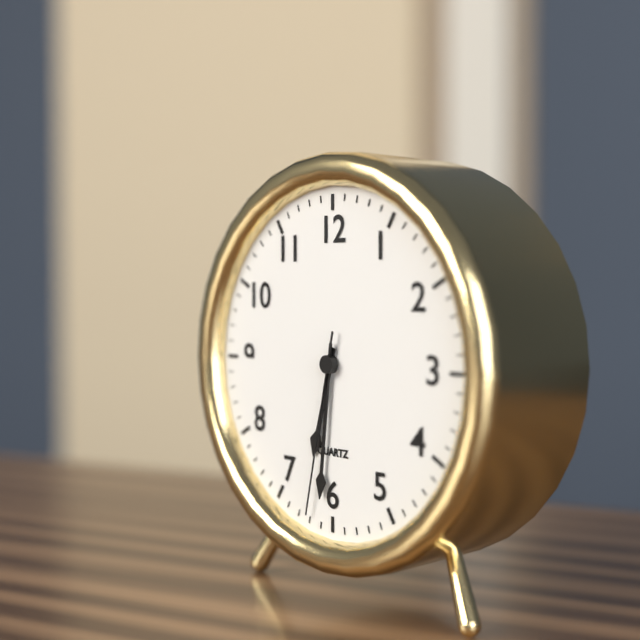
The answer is h=6 m=31 s=32
